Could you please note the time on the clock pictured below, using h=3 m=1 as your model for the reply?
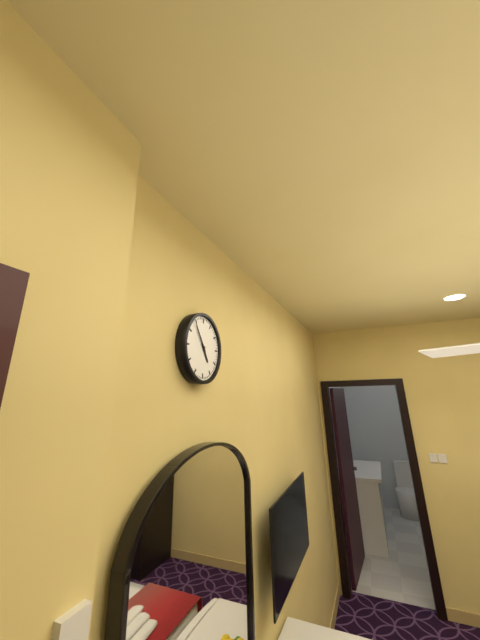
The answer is h=4 m=54
